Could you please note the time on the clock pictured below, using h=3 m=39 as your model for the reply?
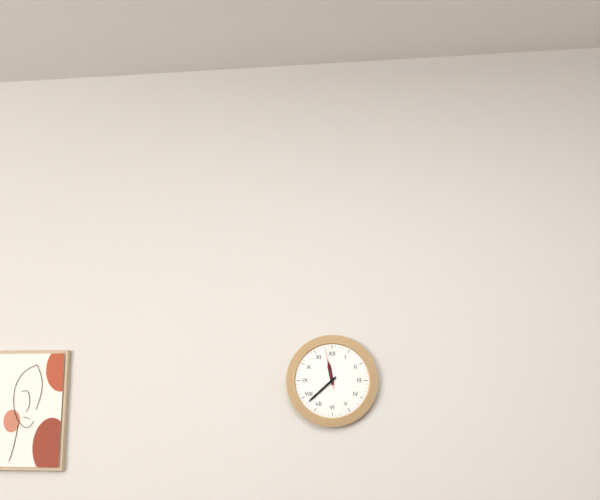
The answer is h=11 m=38
